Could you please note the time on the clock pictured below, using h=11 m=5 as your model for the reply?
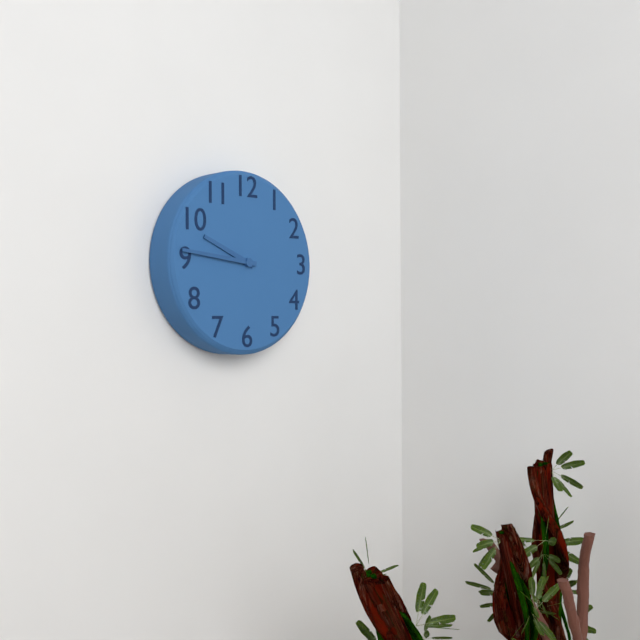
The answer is h=9 m=46
